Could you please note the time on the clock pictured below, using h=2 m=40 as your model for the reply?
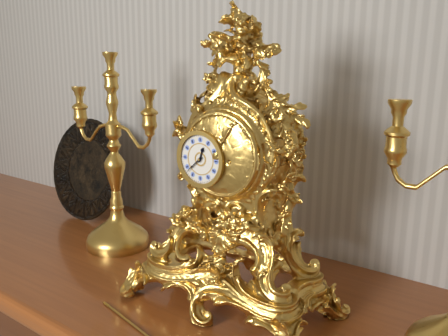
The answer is h=12 m=38
